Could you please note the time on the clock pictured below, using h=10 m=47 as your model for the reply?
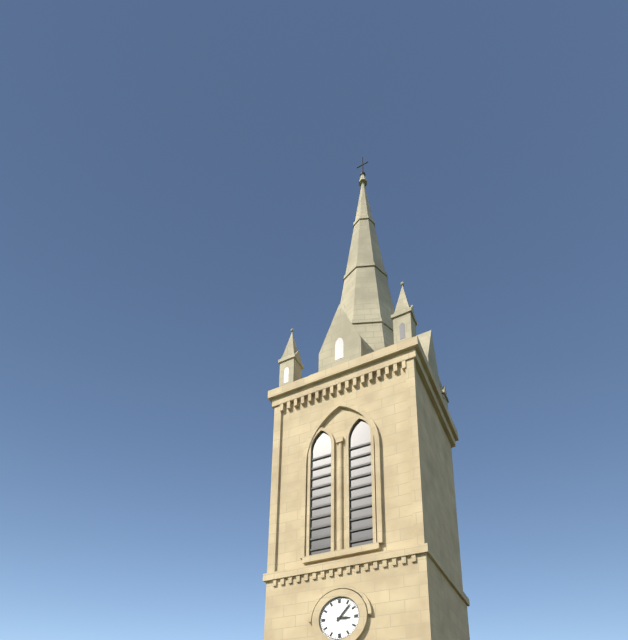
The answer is h=3 m=7
